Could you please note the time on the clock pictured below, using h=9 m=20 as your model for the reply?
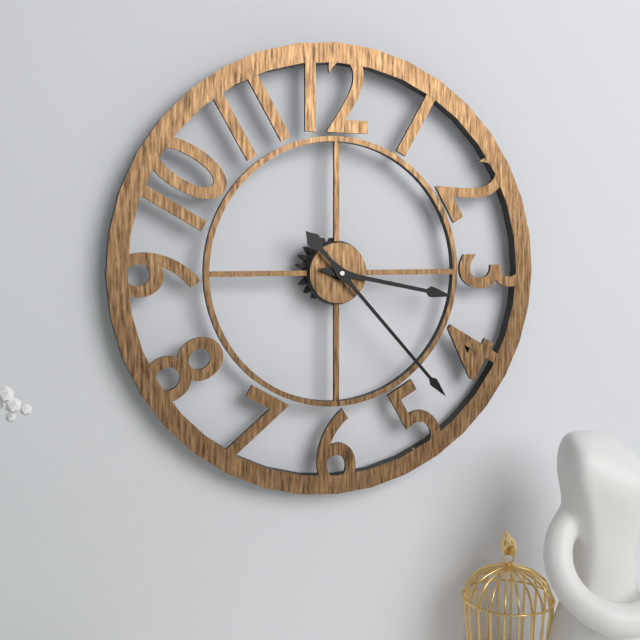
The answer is h=3 m=23
